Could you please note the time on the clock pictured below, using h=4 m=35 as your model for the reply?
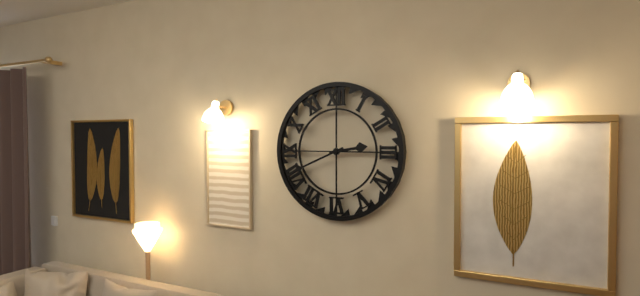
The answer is h=2 m=41
